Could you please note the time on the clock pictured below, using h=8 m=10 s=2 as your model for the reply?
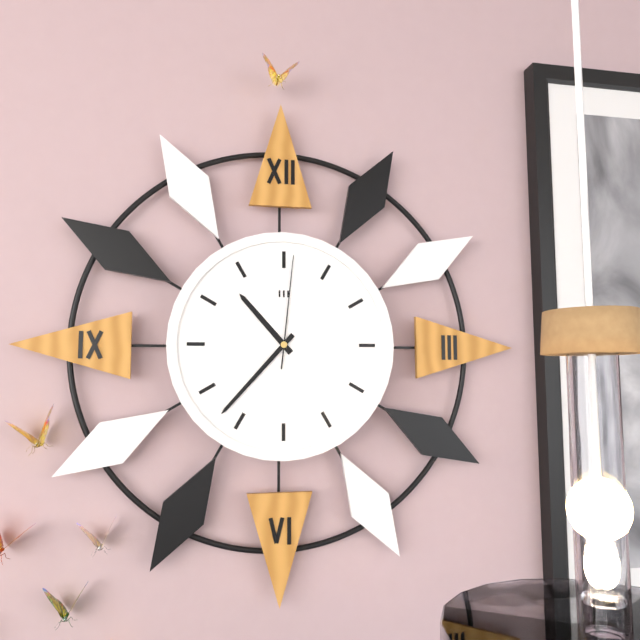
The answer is h=10 m=37 s=1
